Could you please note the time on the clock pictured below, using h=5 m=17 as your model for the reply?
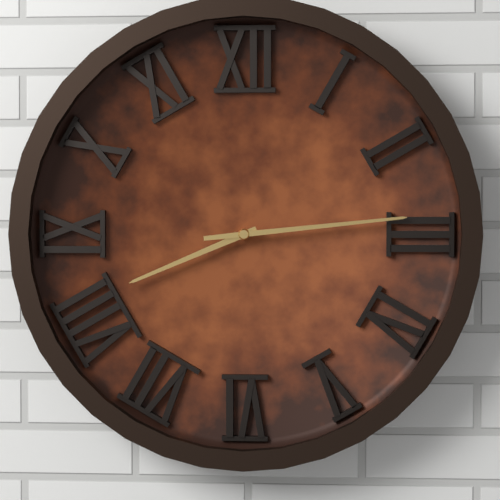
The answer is h=8 m=14
